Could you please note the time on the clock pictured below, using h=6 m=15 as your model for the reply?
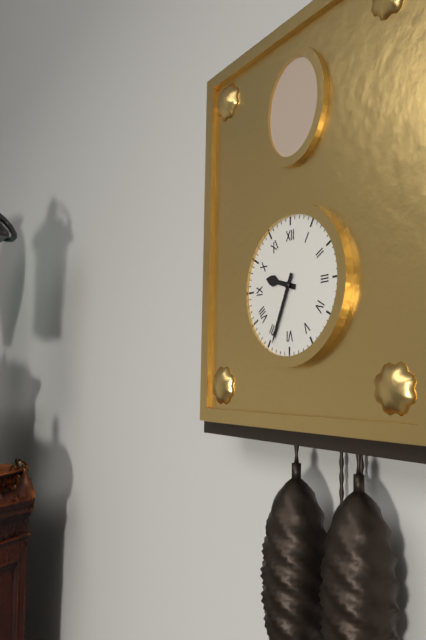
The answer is h=9 m=34
